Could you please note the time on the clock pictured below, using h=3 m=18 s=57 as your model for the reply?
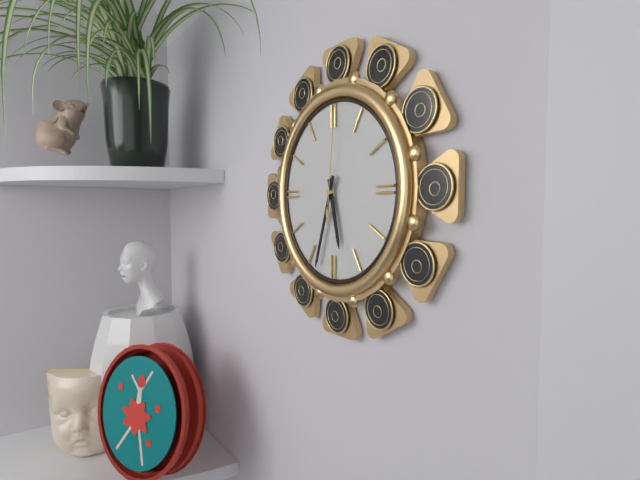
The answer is h=5 m=33 s=1
